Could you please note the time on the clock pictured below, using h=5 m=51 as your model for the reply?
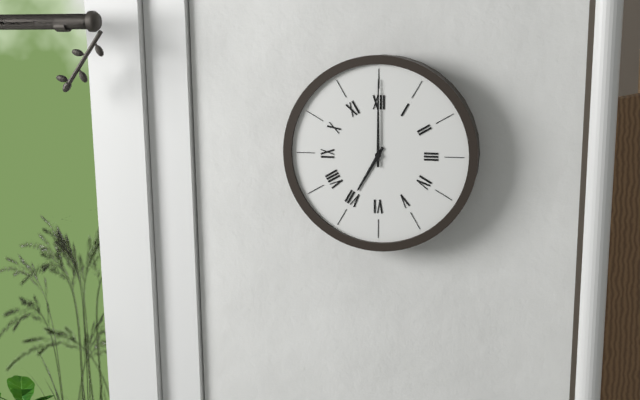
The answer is h=7 m=0
